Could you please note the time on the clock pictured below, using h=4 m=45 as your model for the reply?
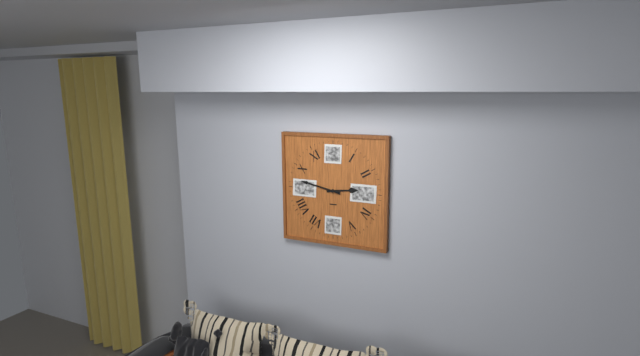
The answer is h=2 m=47
